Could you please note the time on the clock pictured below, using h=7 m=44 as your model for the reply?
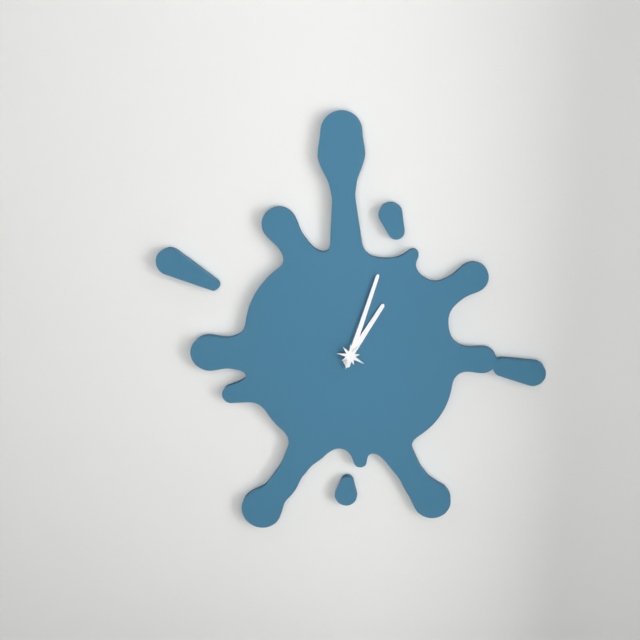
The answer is h=1 m=3
